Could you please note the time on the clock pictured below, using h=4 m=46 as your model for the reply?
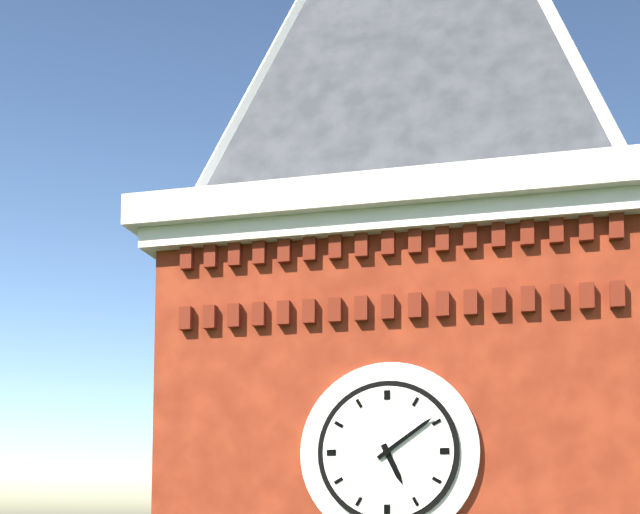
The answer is h=5 m=9
